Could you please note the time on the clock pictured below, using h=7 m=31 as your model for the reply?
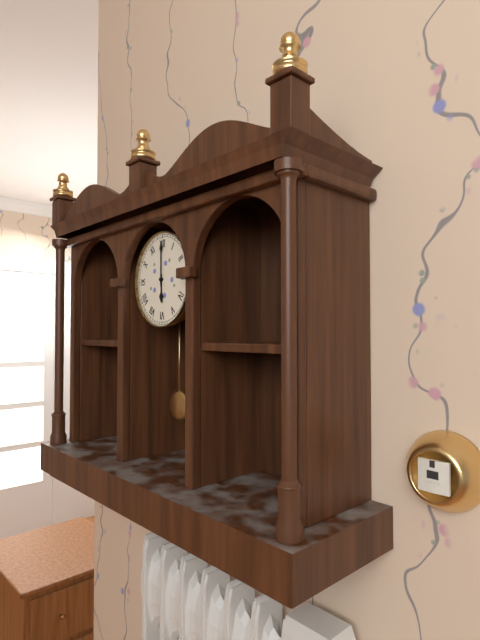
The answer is h=6 m=0
